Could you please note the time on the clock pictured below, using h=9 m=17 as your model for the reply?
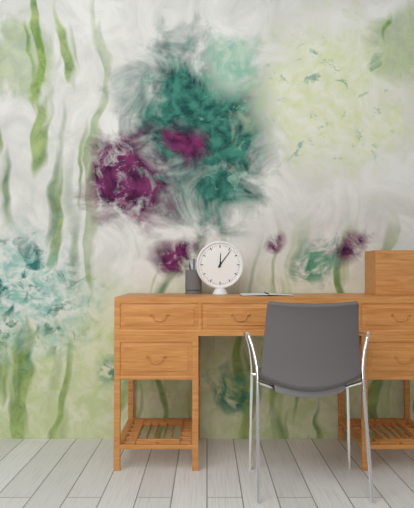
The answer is h=12 m=6
